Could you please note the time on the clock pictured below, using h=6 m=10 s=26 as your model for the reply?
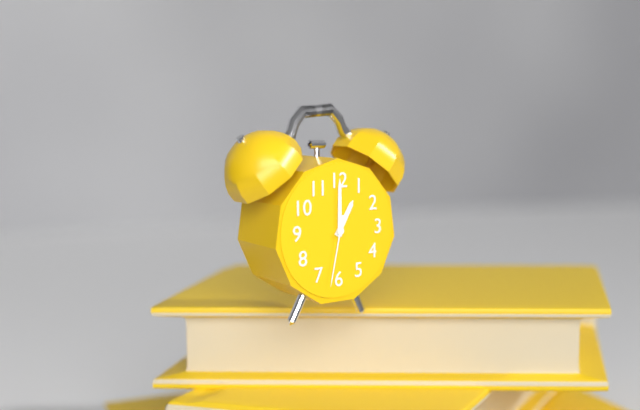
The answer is h=1 m=0 s=32
